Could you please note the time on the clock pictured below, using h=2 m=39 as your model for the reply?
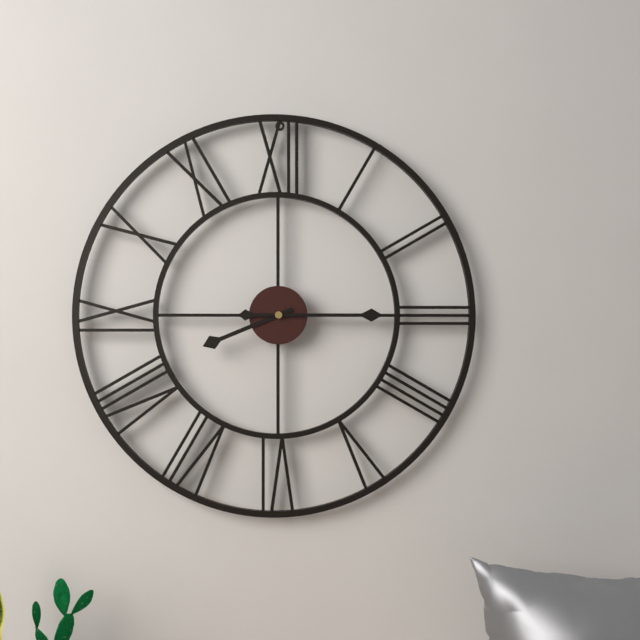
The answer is h=8 m=15
